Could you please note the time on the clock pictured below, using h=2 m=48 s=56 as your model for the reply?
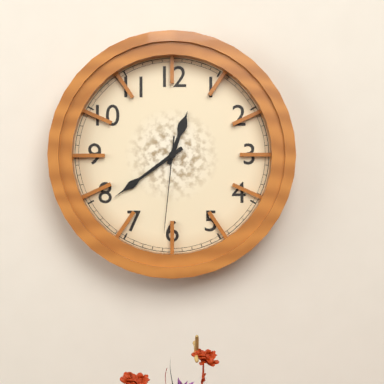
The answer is h=12 m=39 s=31
